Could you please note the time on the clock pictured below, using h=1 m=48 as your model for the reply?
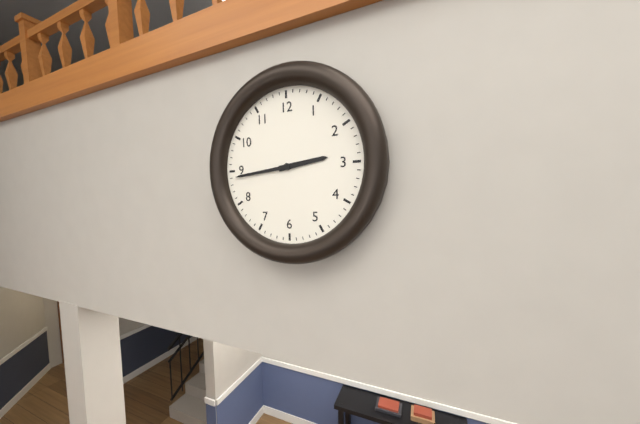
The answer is h=2 m=44
